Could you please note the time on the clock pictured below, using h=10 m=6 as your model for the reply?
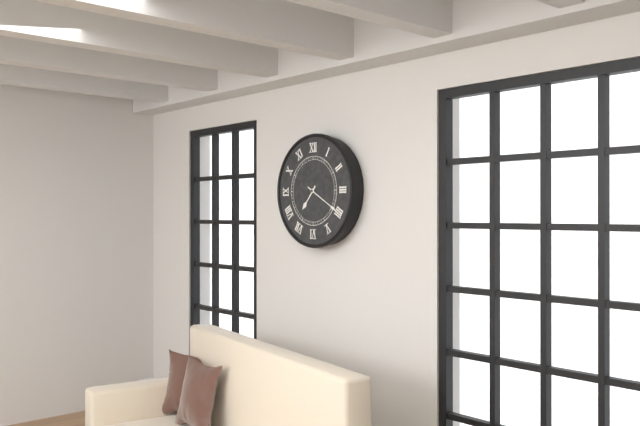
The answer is h=7 m=20
